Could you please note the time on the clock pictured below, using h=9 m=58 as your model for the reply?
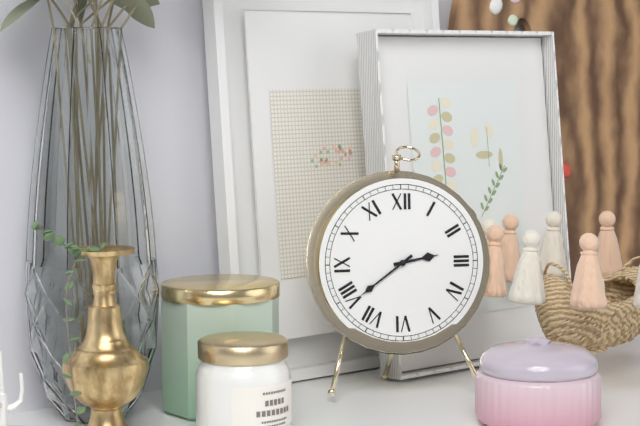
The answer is h=2 m=39
